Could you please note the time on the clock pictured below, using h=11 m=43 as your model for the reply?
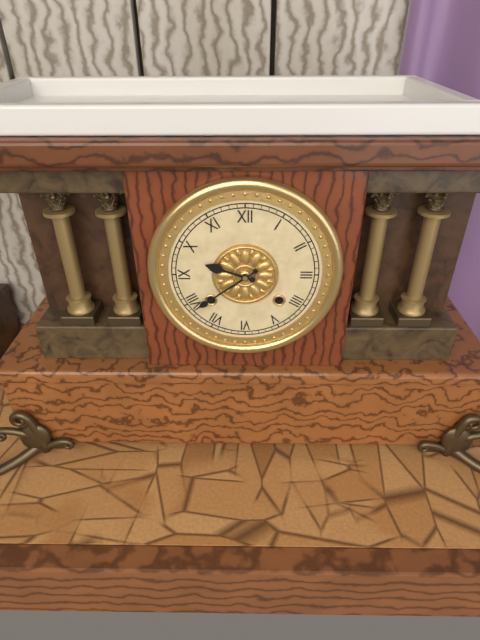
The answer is h=9 m=39
